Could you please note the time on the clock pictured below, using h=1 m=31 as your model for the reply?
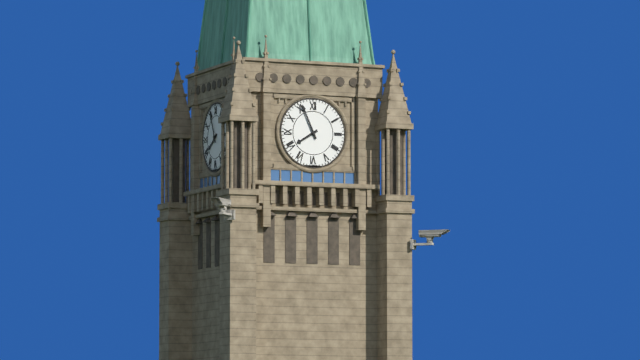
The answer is h=7 m=56
